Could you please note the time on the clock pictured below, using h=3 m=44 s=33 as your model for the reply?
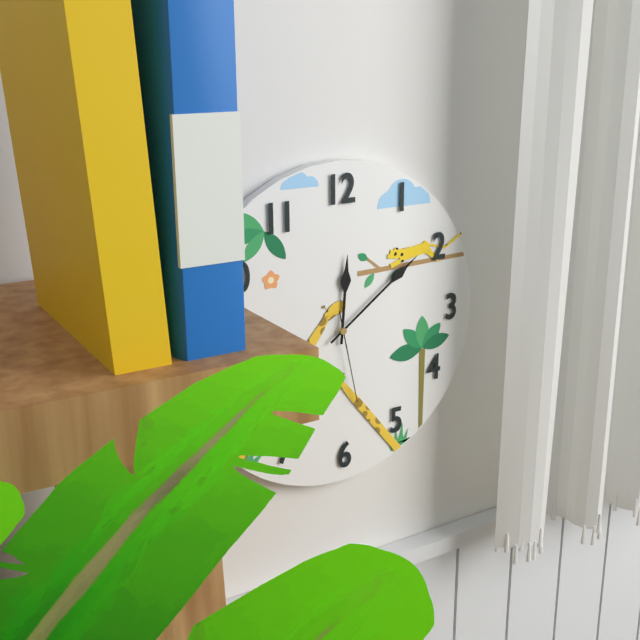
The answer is h=12 m=9 s=28
